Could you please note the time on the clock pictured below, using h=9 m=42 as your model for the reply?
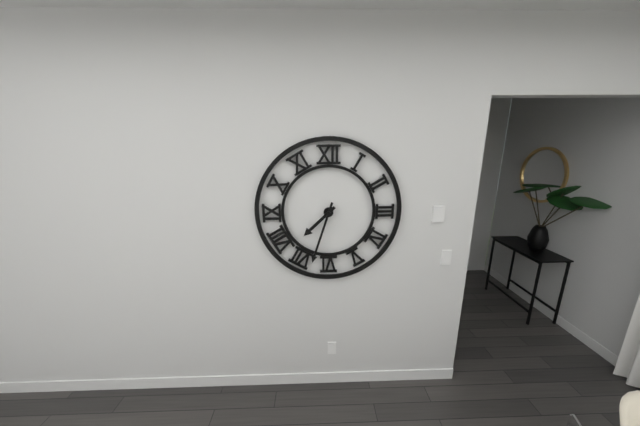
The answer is h=7 m=33
